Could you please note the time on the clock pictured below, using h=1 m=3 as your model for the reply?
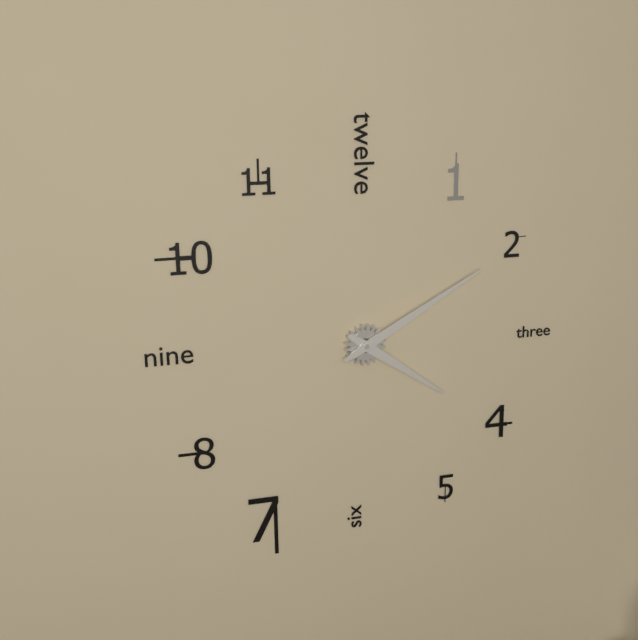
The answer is h=4 m=10
